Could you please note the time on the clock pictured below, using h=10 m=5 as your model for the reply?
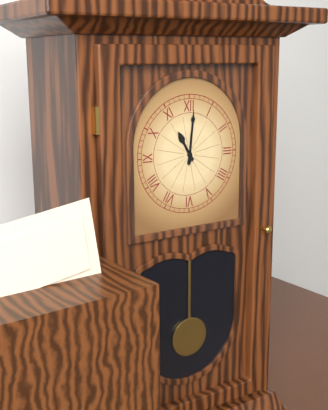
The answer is h=11 m=1
